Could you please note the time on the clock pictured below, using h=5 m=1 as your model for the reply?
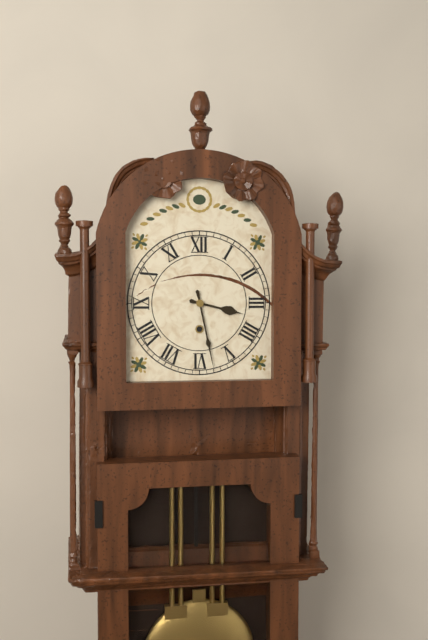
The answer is h=3 m=28
